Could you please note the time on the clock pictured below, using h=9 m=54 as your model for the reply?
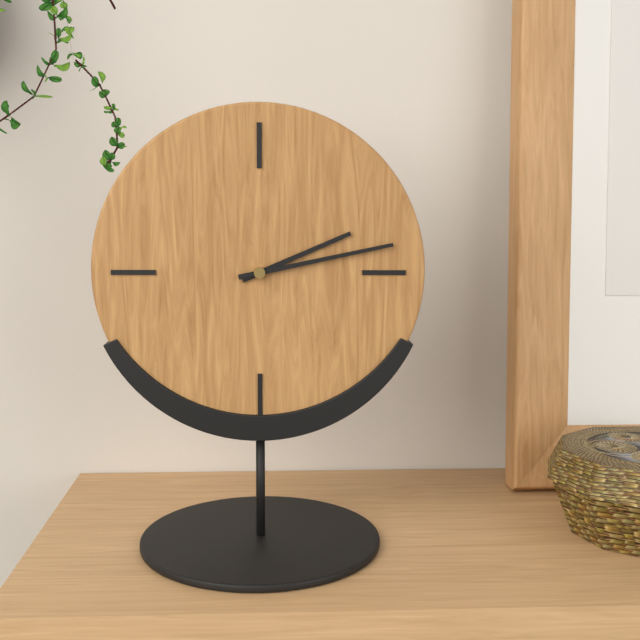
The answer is h=2 m=13
